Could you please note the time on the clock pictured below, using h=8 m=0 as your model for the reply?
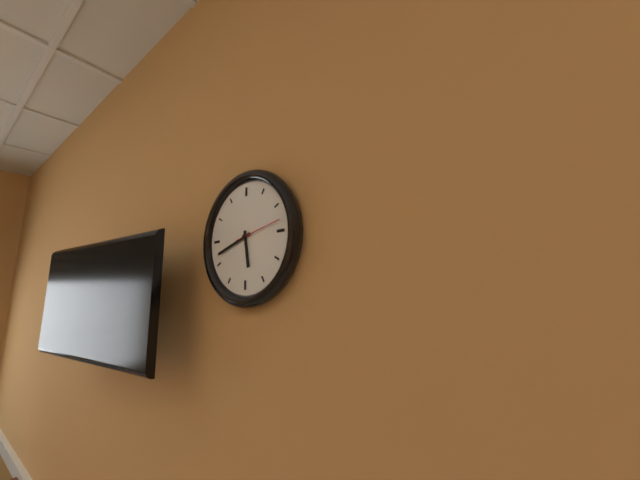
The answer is h=5 m=42
